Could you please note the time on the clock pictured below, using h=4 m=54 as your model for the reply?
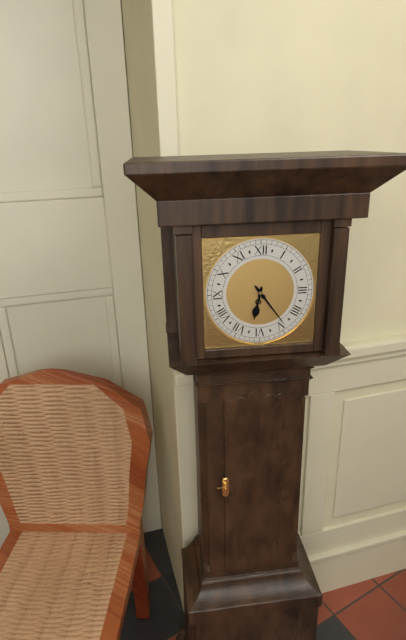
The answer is h=6 m=24
